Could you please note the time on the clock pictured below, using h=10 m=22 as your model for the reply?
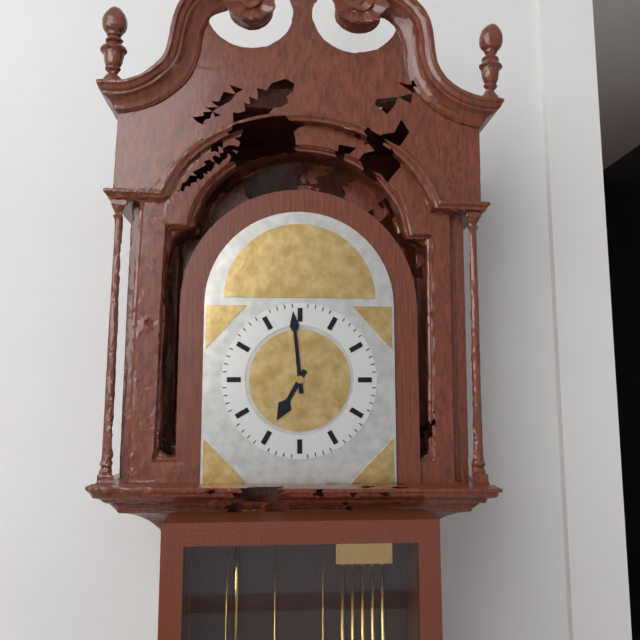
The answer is h=6 m=59
